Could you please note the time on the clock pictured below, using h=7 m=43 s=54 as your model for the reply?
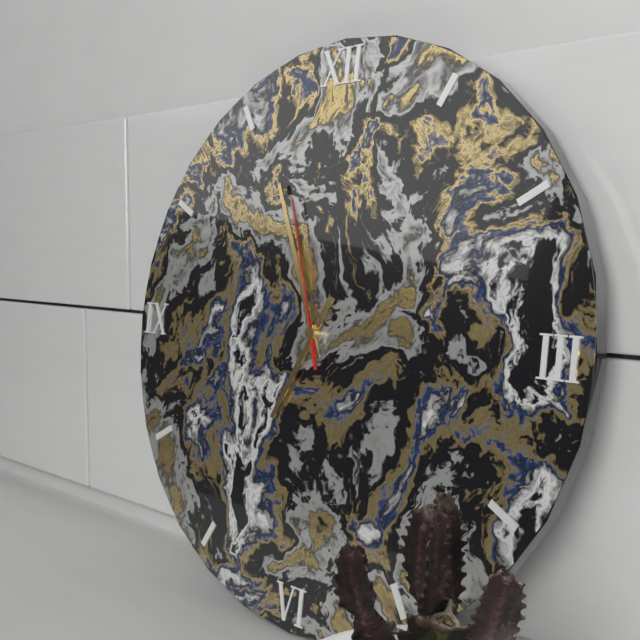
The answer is h=6 m=56 s=57
